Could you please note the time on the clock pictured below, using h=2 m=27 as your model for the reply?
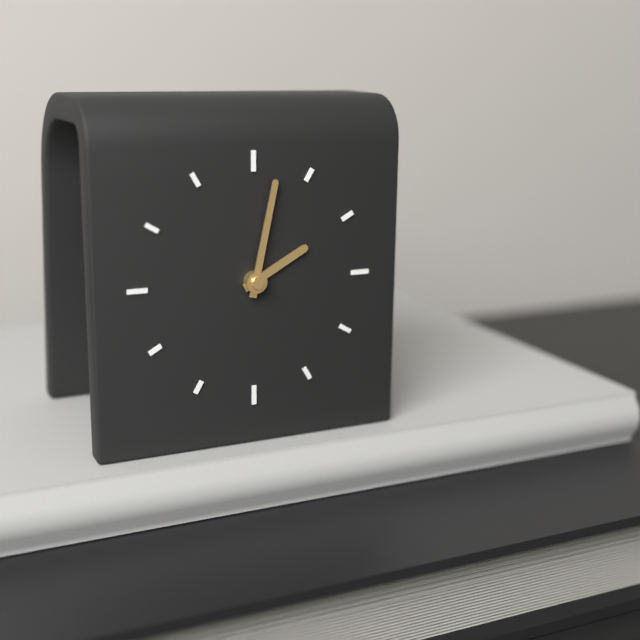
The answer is h=2 m=2
